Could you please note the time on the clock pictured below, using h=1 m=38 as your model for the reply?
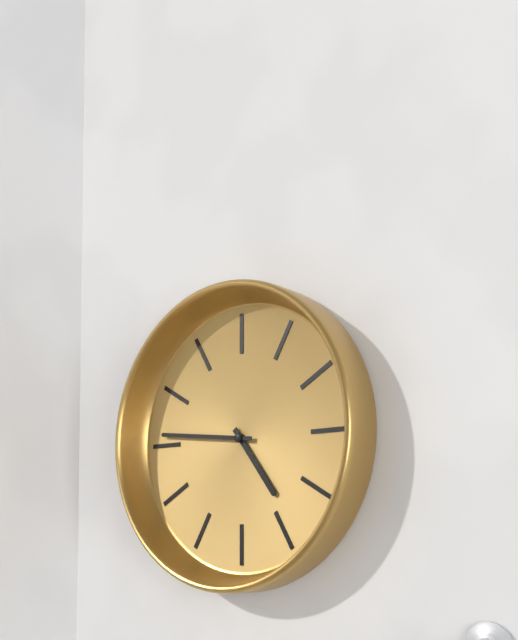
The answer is h=4 m=46
